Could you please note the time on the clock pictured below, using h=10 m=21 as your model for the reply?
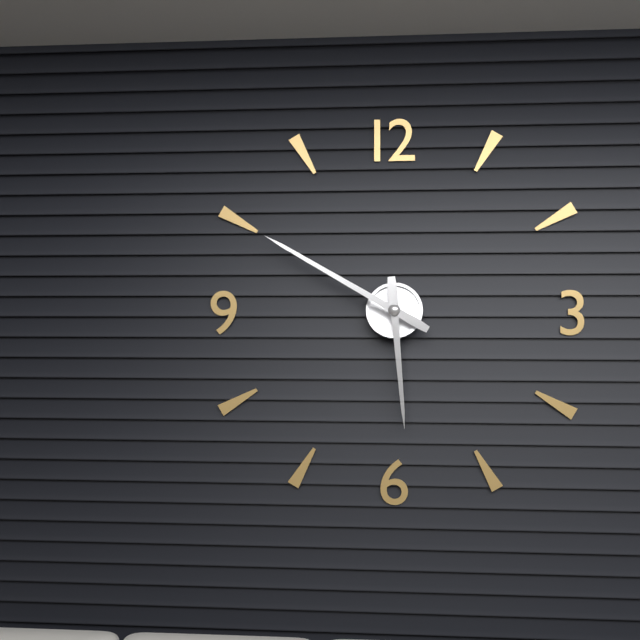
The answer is h=5 m=50
